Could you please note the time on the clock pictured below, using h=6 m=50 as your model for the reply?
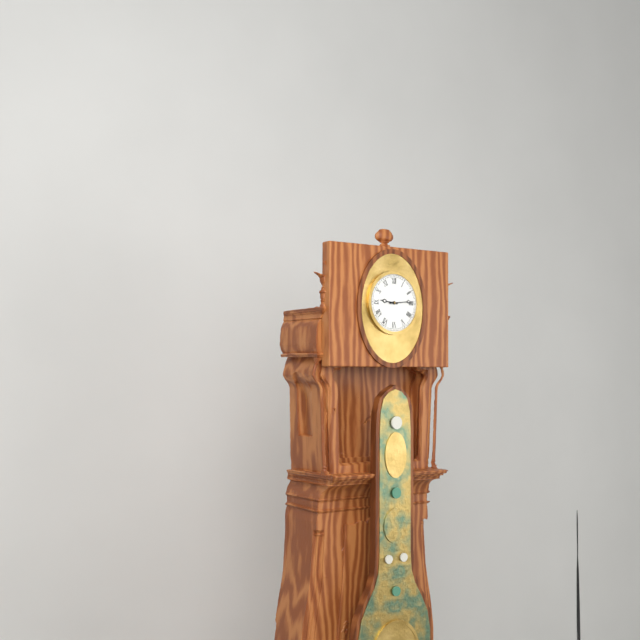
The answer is h=9 m=14
